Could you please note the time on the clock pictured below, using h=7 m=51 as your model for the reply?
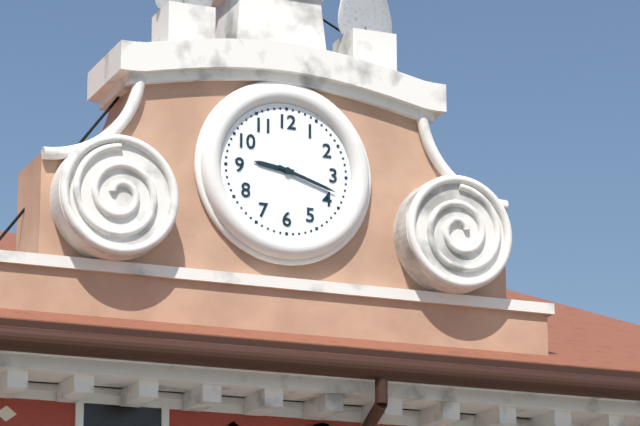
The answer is h=9 m=18
